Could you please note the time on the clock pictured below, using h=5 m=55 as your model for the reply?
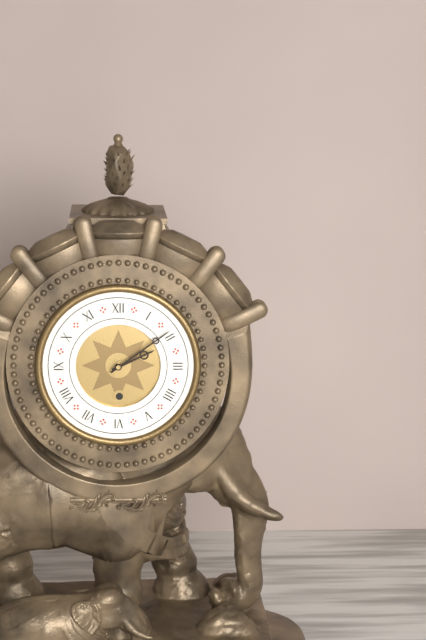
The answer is h=2 m=9
